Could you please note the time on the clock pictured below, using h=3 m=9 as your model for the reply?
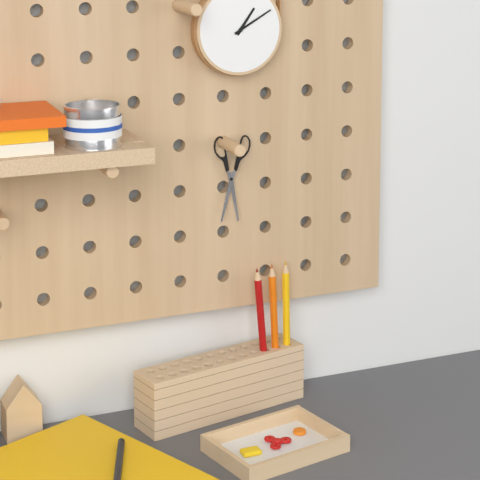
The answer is h=1 m=10
